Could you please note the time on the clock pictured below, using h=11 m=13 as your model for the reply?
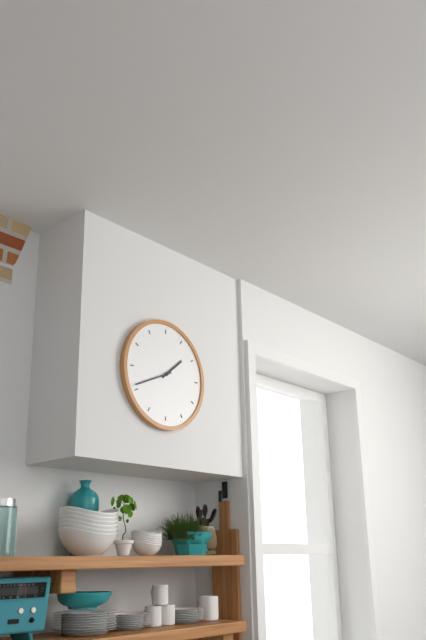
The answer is h=1 m=41
